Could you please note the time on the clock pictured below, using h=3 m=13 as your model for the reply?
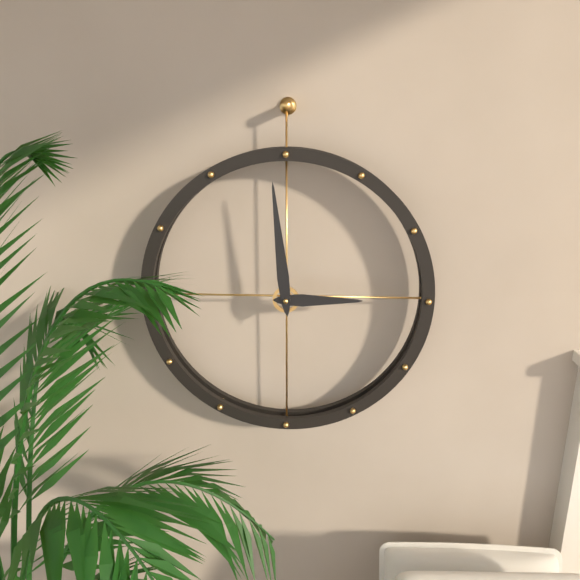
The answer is h=2 m=59
